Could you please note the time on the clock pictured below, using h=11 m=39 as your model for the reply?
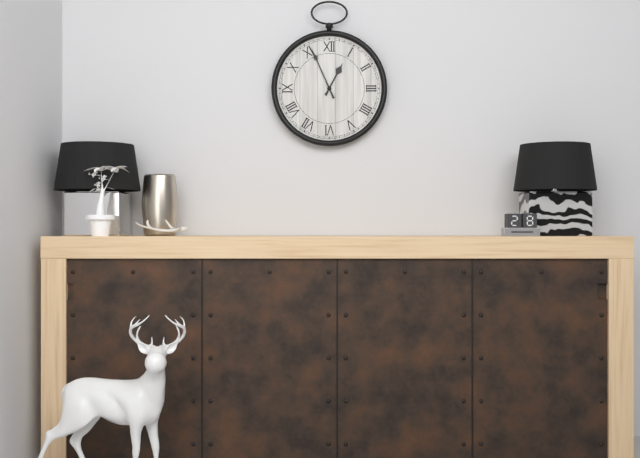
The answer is h=12 m=56
